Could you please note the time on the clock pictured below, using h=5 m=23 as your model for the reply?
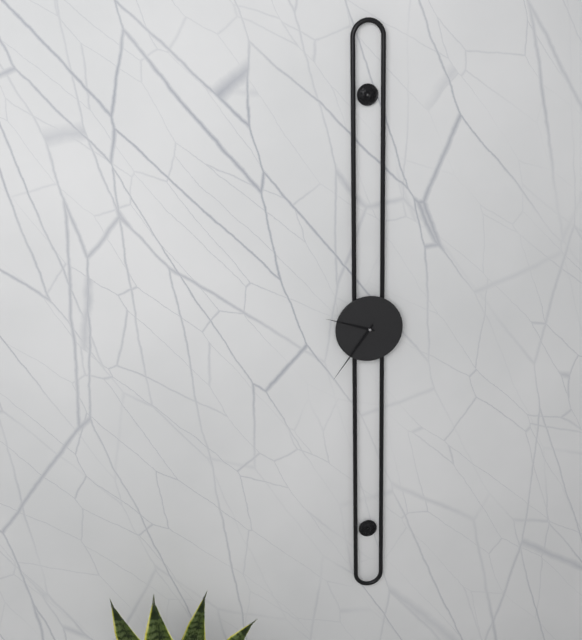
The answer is h=9 m=36
